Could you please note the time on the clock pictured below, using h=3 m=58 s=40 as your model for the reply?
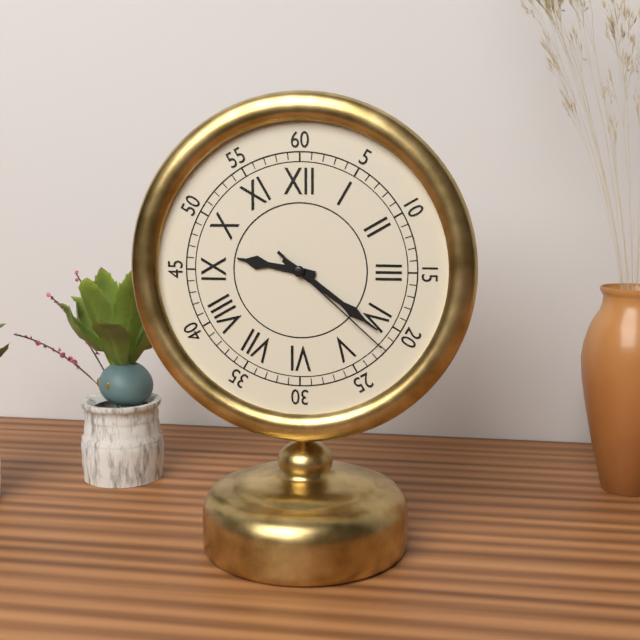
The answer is h=9 m=21 s=22
